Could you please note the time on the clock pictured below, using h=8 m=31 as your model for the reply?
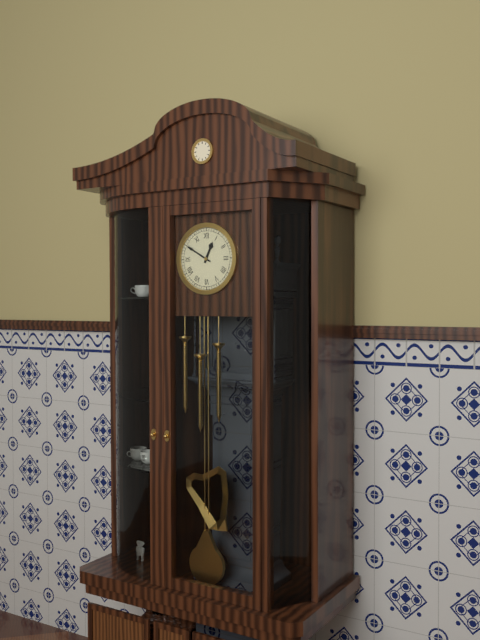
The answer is h=12 m=50
